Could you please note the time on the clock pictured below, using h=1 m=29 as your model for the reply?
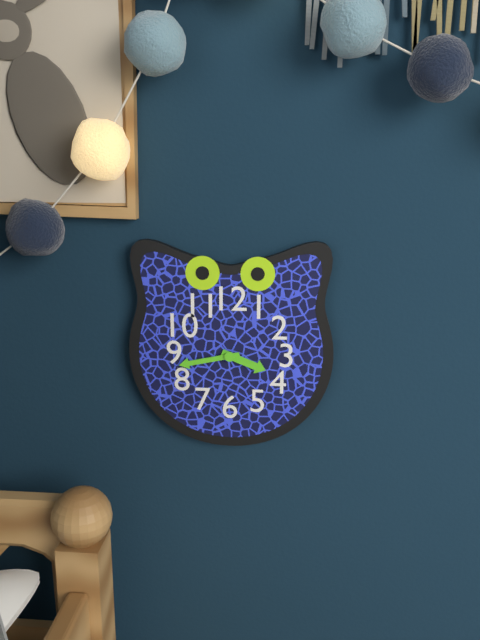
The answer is h=3 m=43
